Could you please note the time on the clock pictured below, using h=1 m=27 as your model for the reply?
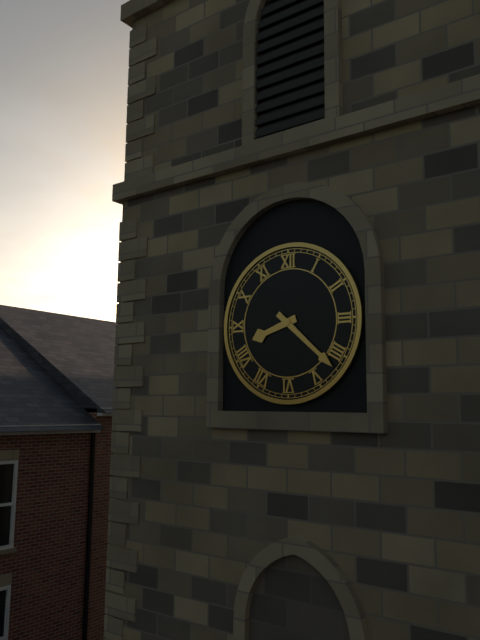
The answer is h=8 m=22
